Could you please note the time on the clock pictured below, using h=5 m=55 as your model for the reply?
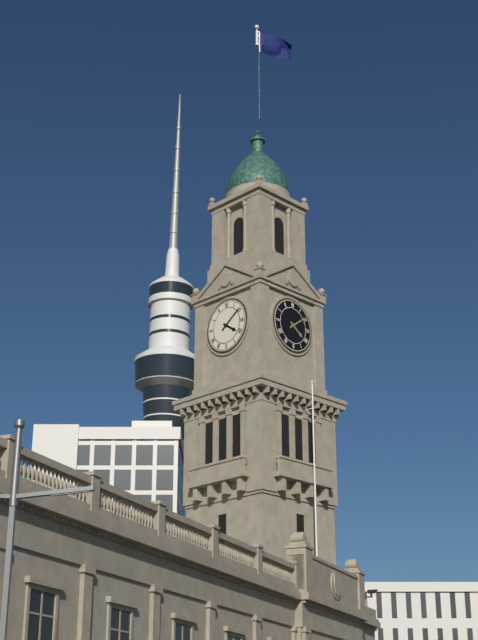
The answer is h=4 m=9
